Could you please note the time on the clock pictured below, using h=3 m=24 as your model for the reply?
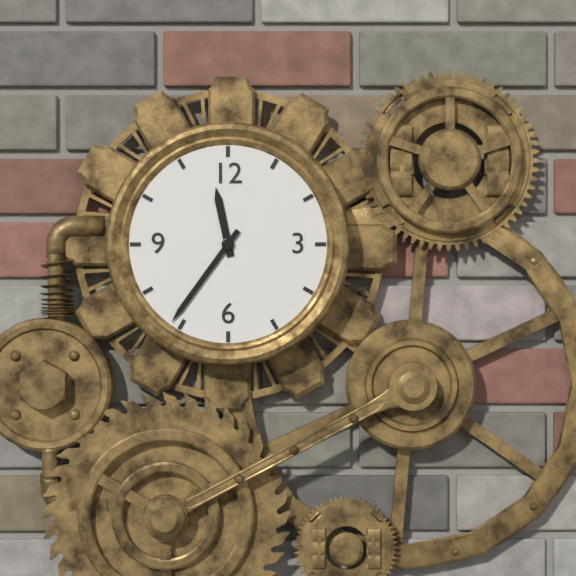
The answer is h=11 m=36
